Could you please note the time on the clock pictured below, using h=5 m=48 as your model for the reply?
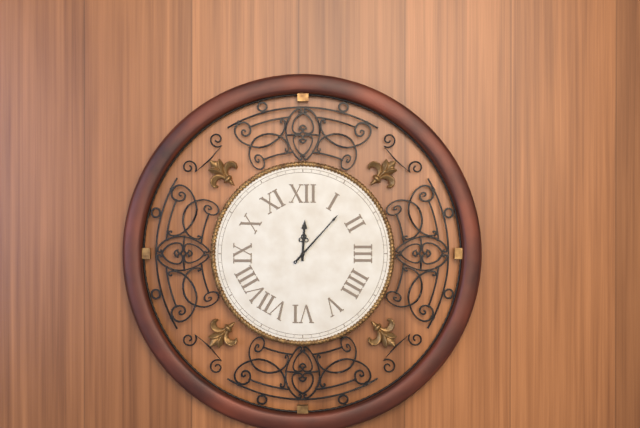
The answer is h=12 m=7
